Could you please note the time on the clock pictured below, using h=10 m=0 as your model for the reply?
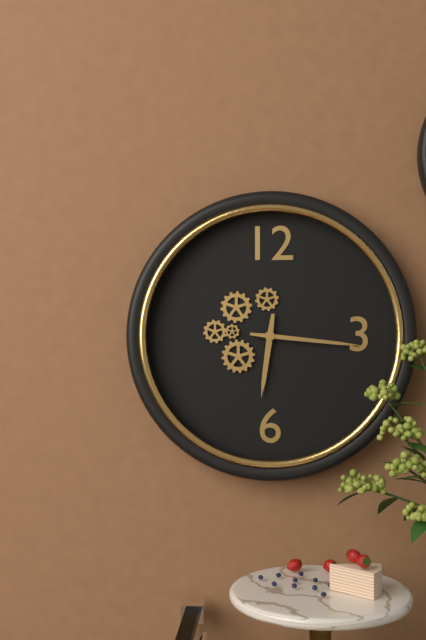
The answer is h=6 m=16
